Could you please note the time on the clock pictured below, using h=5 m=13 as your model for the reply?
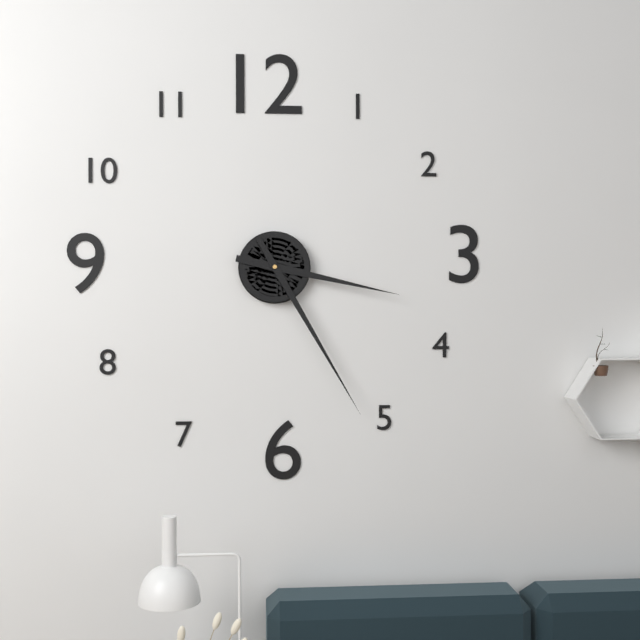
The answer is h=3 m=25
